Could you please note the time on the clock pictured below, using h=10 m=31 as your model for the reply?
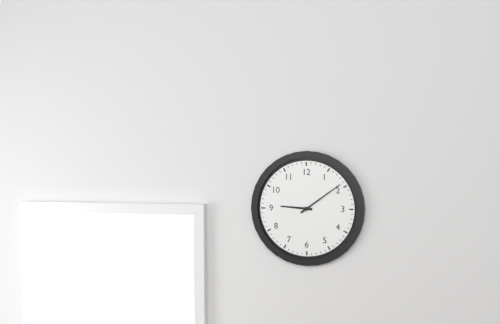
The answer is h=9 m=9
